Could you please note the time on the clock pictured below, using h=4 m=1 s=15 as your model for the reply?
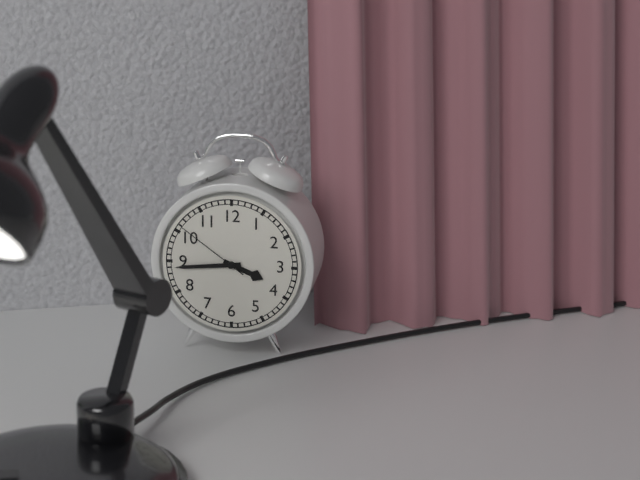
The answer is h=3 m=44 s=51
